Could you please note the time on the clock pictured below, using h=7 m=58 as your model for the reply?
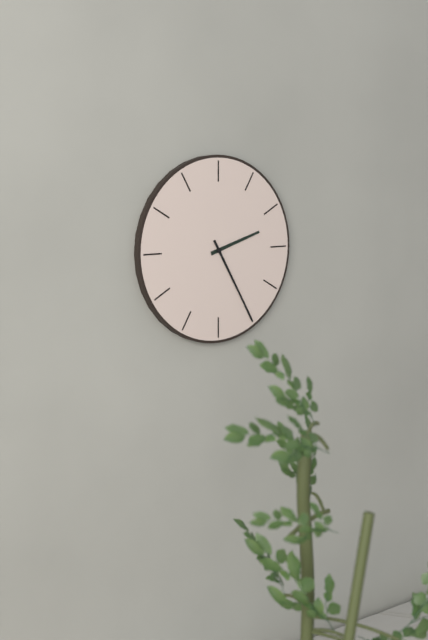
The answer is h=2 m=25
